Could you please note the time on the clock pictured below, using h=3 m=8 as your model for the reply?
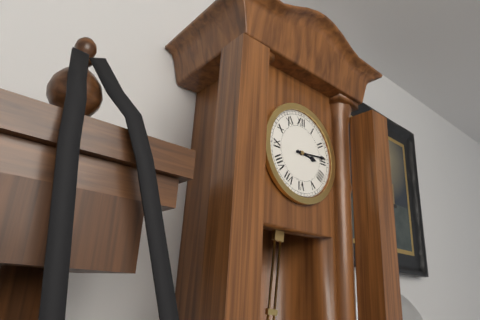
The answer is h=3 m=14
